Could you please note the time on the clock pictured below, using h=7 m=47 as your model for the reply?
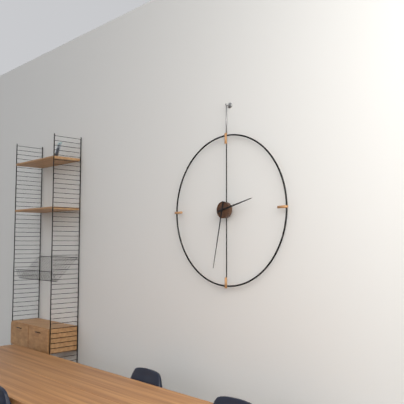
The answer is h=2 m=32
